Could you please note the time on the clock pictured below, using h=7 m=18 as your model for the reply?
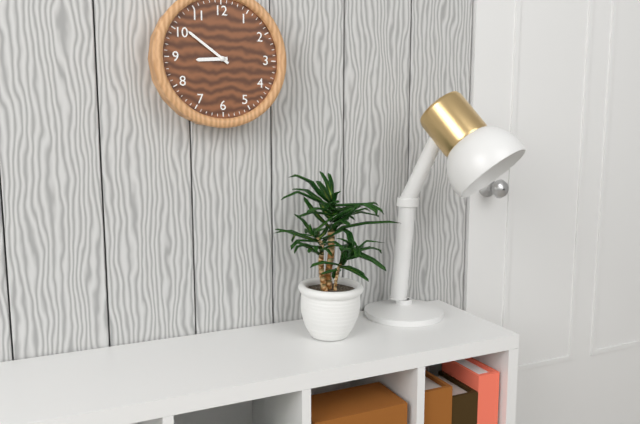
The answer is h=8 m=51
